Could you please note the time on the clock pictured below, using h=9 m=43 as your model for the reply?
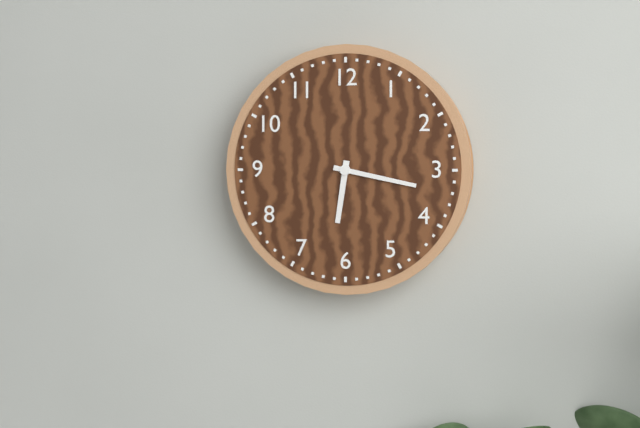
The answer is h=6 m=17
